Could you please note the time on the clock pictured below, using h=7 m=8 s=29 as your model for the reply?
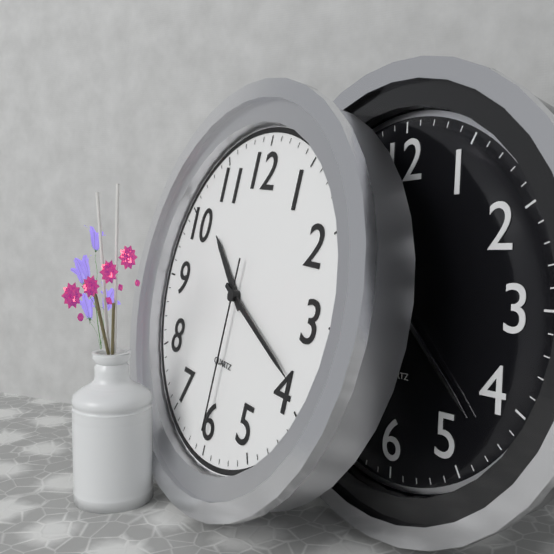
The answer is h=10 m=19 s=30
